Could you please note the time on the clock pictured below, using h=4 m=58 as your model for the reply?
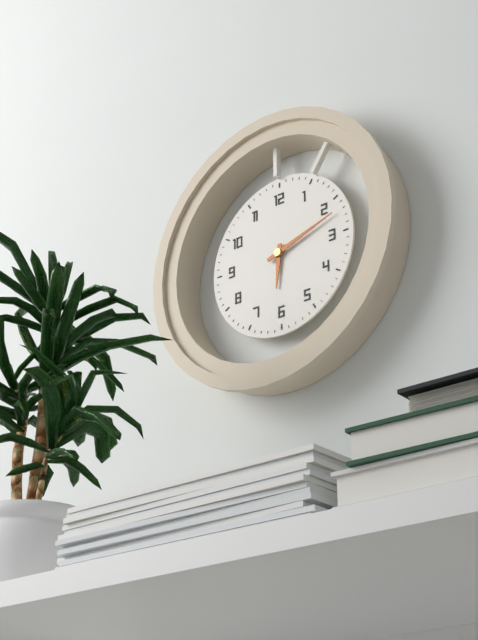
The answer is h=6 m=12
